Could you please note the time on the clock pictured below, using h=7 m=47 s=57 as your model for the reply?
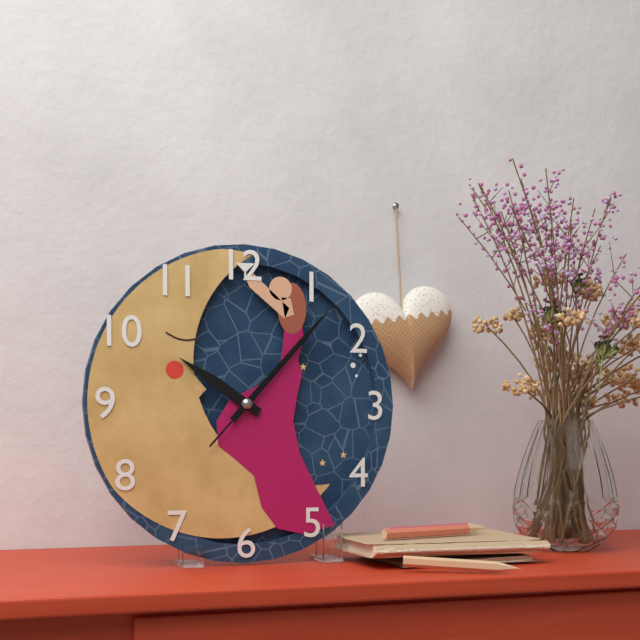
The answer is h=10 m=7 s=7
